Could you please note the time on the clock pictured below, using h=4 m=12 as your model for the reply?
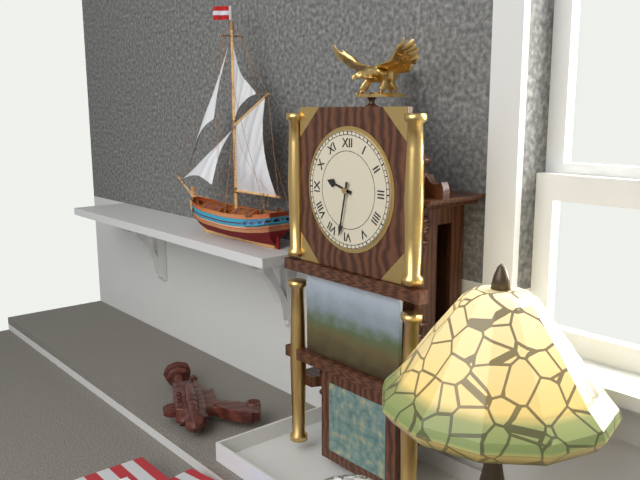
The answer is h=9 m=32
